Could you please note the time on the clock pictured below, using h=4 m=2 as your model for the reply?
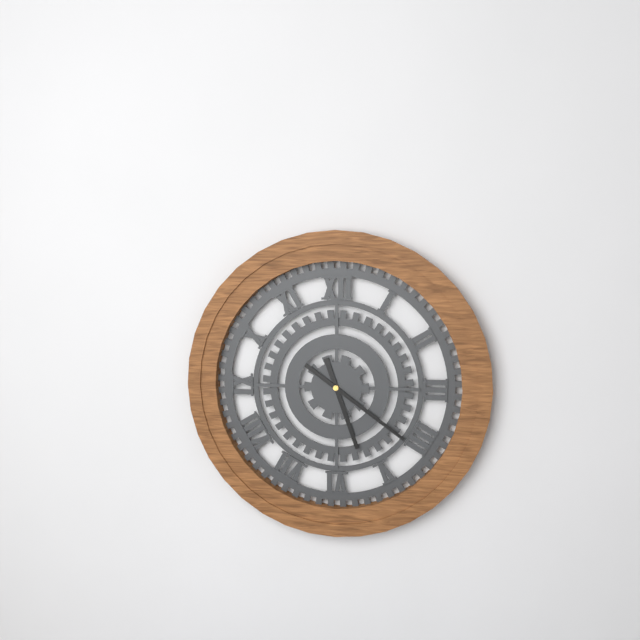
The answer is h=5 m=21
